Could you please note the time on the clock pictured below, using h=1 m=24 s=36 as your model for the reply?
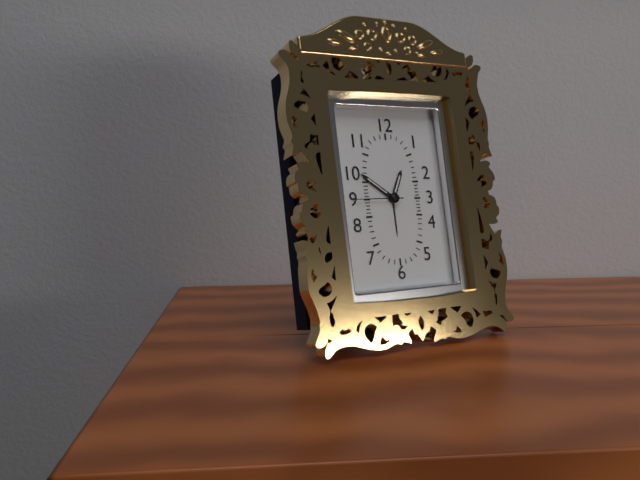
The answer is h=12 m=51 s=45
